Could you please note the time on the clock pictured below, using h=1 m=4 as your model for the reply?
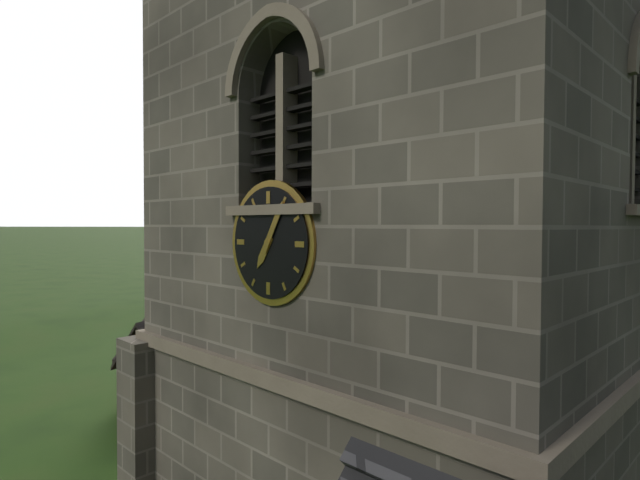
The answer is h=7 m=5
